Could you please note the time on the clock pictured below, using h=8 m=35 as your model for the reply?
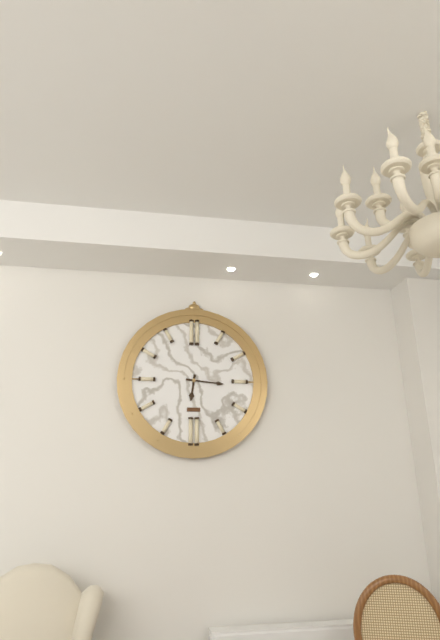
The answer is h=6 m=16
